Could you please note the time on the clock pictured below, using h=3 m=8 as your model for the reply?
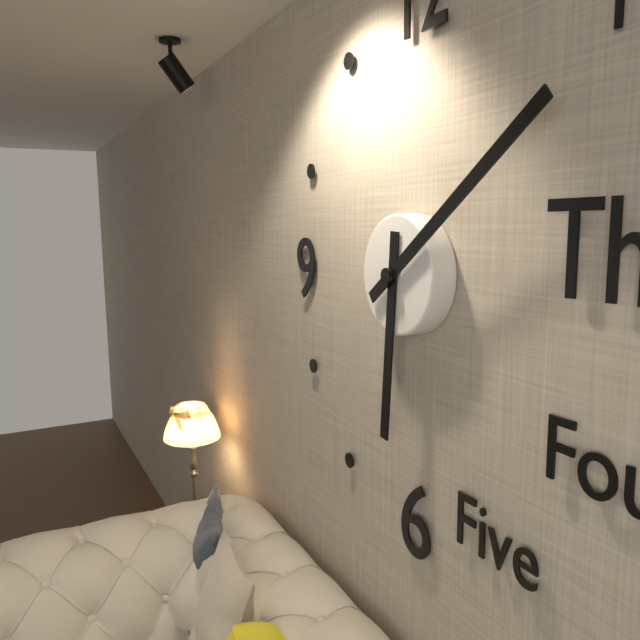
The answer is h=6 m=9
